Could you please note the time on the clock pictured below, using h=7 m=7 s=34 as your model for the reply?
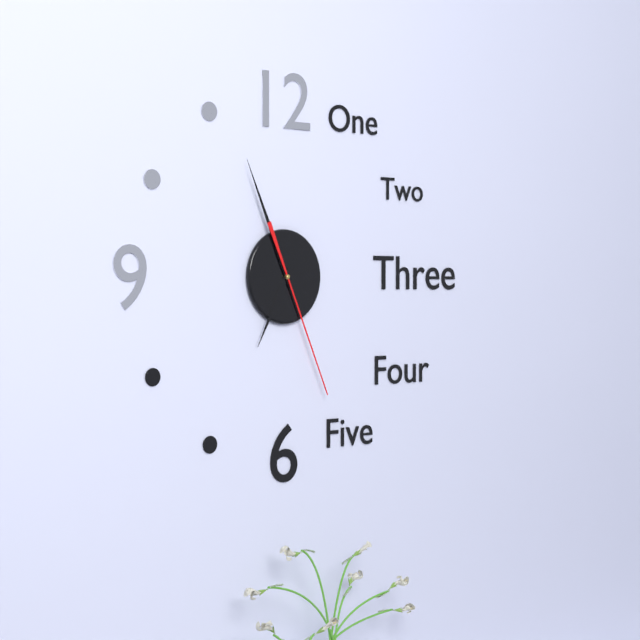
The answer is h=6 m=56 s=26
